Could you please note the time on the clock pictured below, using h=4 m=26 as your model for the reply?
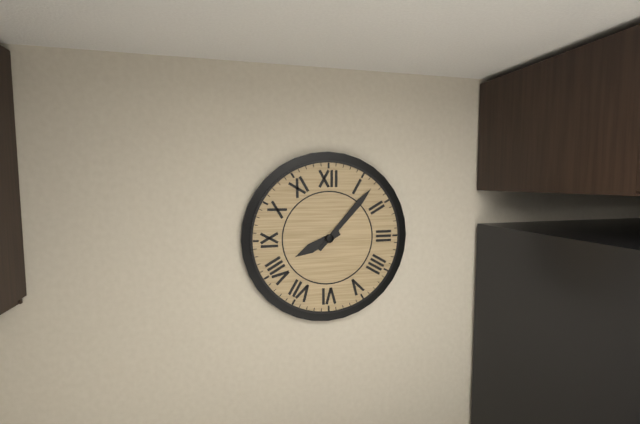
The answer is h=8 m=7
